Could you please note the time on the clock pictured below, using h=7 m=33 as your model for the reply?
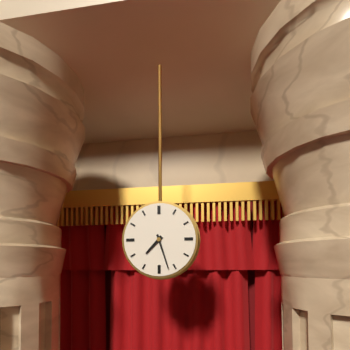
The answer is h=7 m=27
